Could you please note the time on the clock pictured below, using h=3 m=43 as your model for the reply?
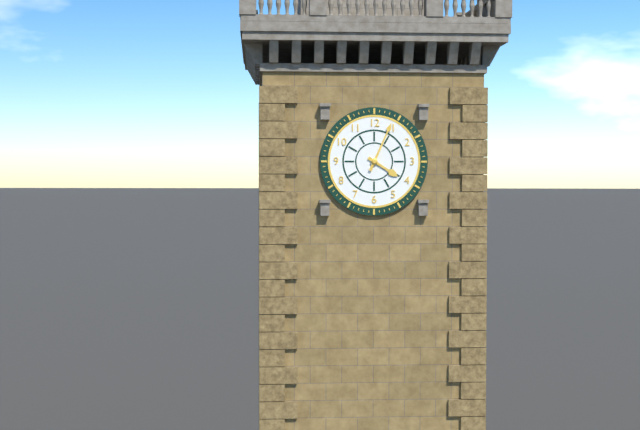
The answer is h=4 m=4
